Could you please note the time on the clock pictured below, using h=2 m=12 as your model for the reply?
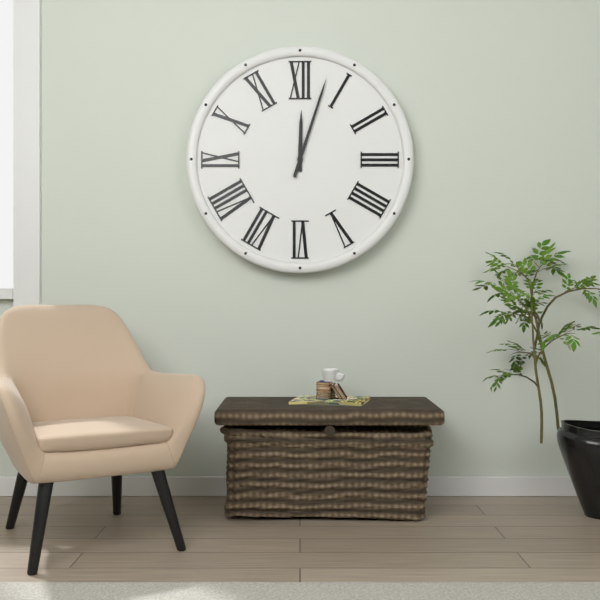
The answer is h=12 m=3
